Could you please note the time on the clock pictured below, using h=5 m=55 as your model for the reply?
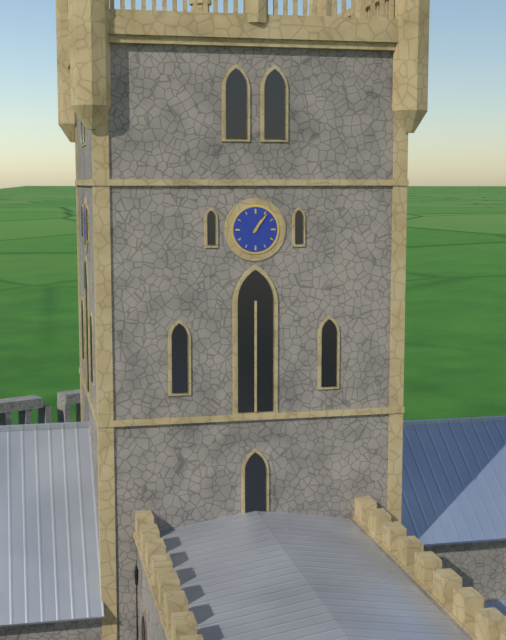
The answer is h=1 m=6
